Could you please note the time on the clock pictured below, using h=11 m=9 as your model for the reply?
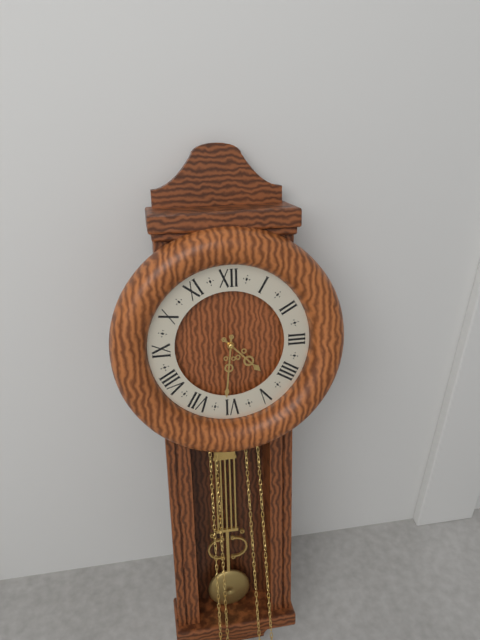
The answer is h=4 m=31
